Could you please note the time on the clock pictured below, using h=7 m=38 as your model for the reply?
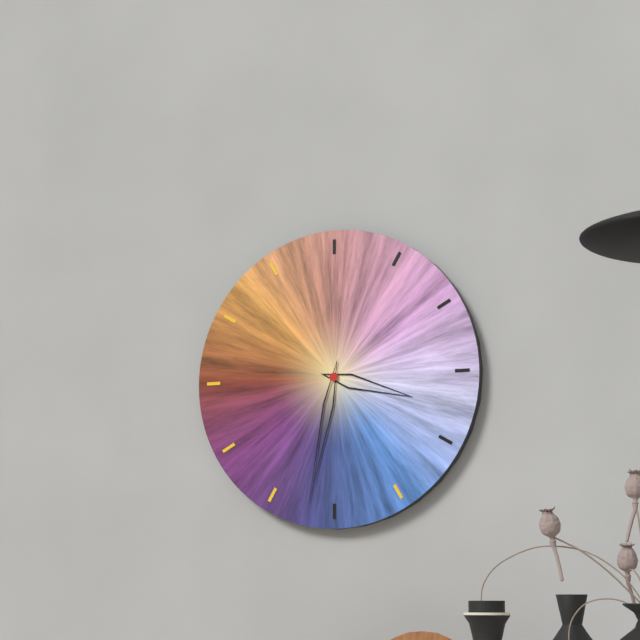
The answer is h=3 m=32
